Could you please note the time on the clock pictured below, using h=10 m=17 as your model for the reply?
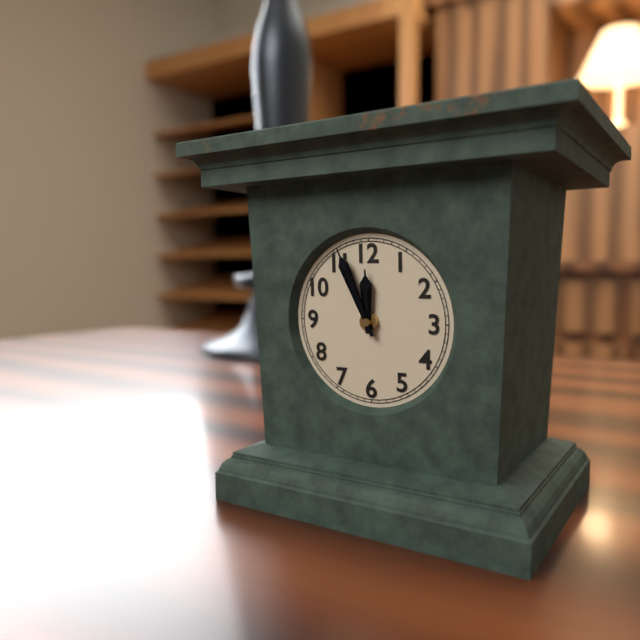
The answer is h=11 m=56
